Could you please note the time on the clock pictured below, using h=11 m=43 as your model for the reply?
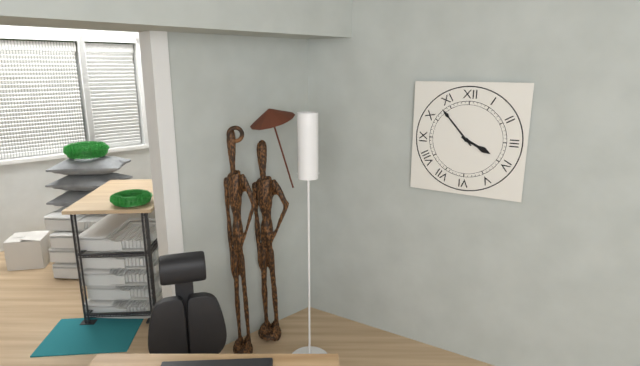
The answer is h=3 m=53
